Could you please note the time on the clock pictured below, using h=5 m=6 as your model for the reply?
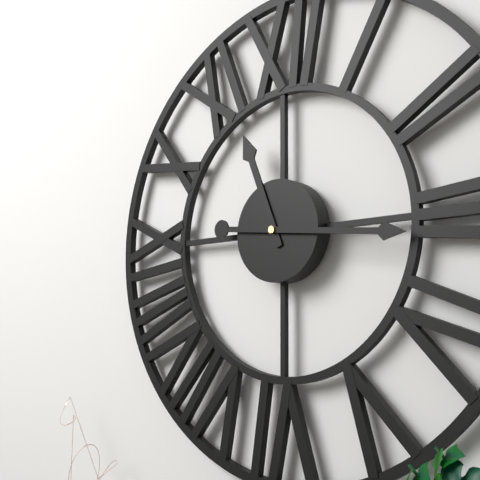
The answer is h=11 m=16
